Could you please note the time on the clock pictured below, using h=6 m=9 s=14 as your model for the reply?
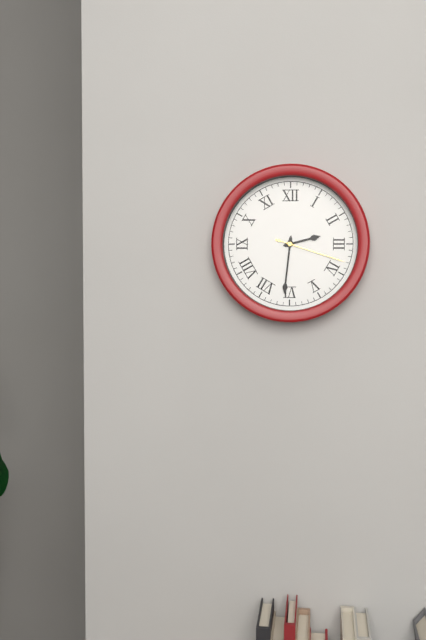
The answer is h=2 m=31 s=18
